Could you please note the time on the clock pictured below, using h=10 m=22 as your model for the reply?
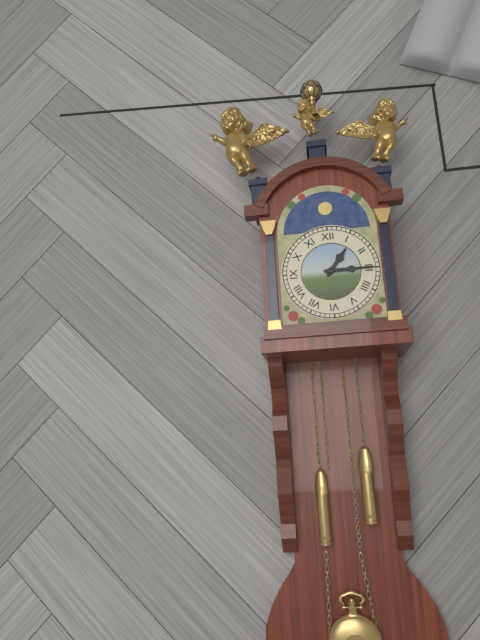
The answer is h=1 m=15
